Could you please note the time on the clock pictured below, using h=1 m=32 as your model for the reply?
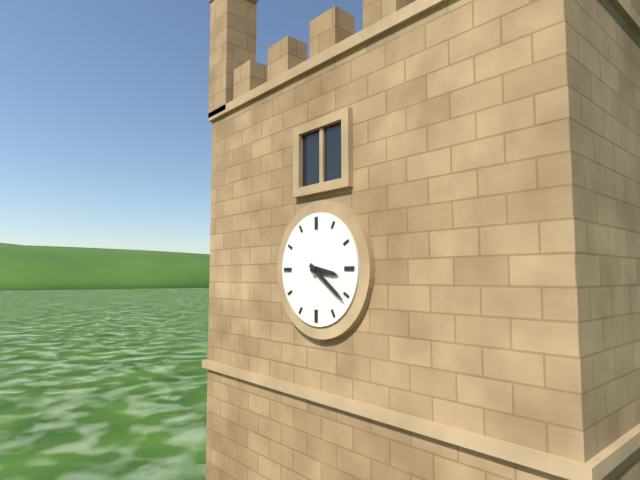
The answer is h=3 m=21
